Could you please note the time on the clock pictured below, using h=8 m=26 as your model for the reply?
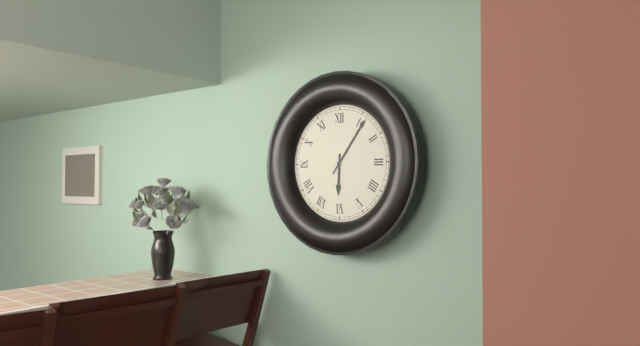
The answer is h=6 m=6
